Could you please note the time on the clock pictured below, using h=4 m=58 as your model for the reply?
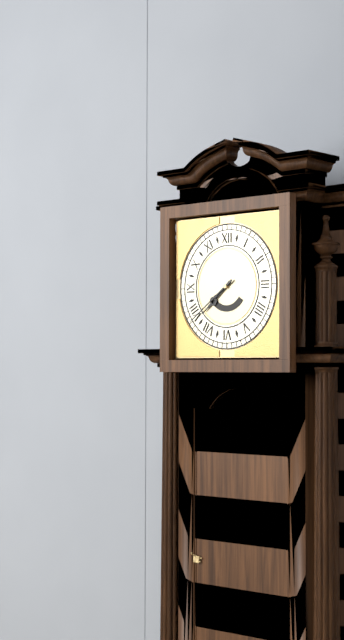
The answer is h=7 m=39
